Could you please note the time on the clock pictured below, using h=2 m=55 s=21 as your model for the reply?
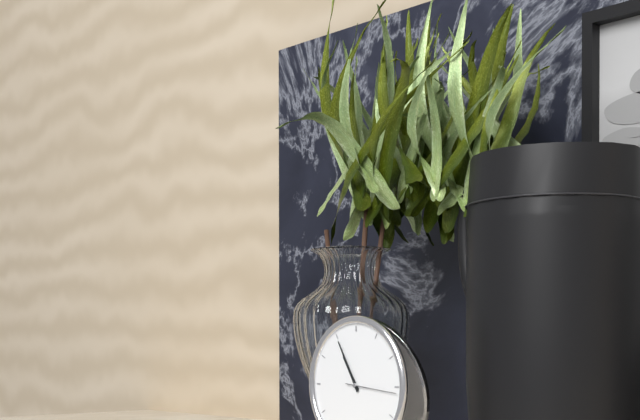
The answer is h=10 m=55 s=16
